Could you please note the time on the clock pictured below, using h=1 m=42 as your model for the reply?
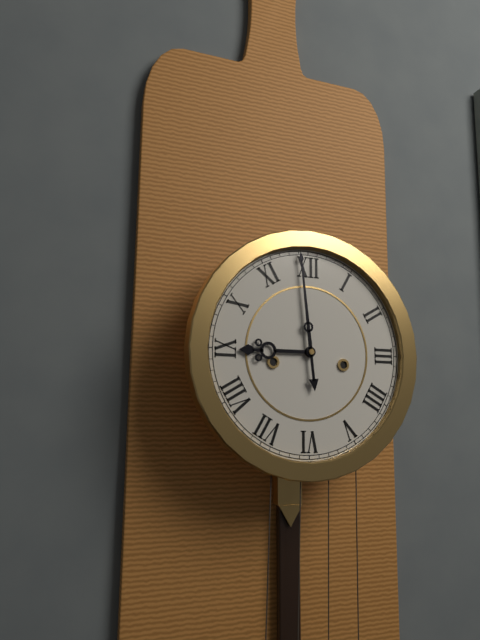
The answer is h=8 m=59
